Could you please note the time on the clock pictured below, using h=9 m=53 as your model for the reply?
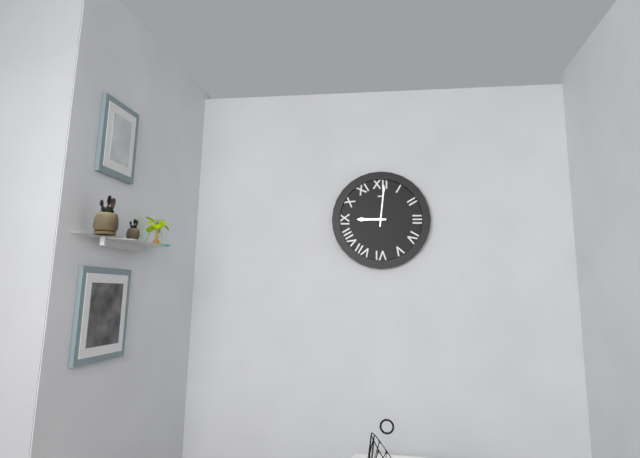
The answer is h=9 m=1
